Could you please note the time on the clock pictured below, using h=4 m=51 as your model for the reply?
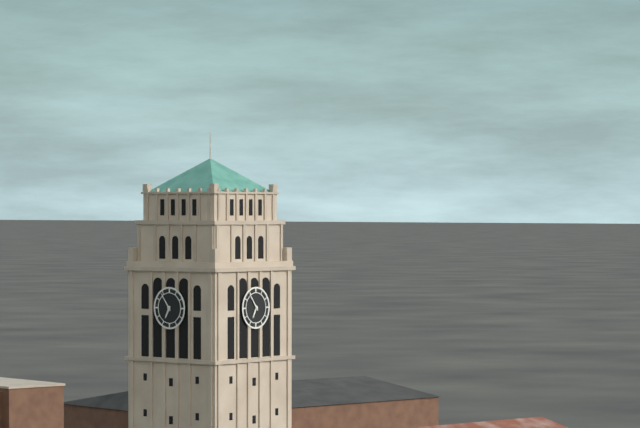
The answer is h=6 m=54
